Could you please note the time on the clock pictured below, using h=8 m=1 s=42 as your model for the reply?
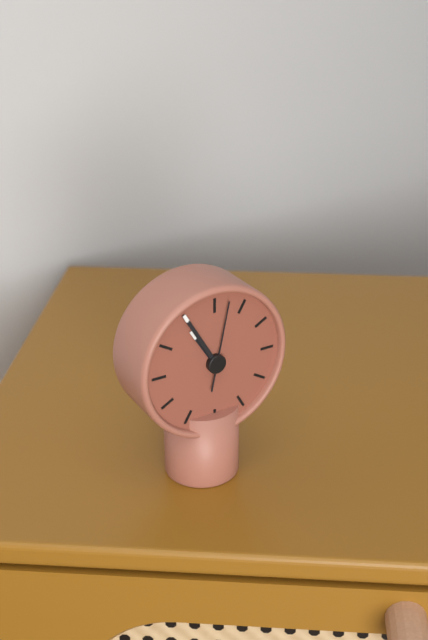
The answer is h=10 m=55 s=2
